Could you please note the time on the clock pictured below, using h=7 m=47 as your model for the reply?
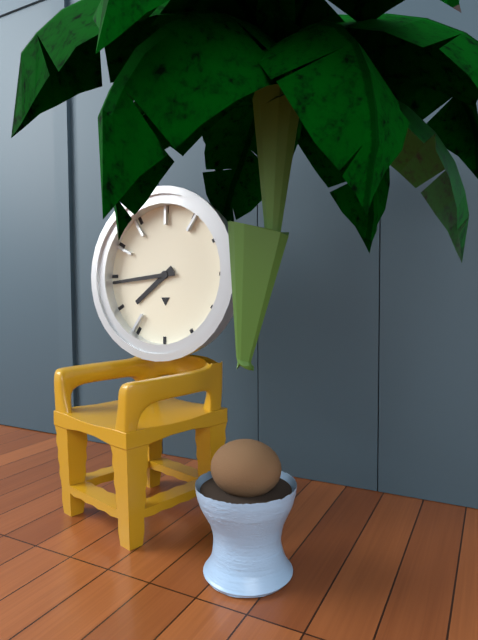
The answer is h=7 m=44
